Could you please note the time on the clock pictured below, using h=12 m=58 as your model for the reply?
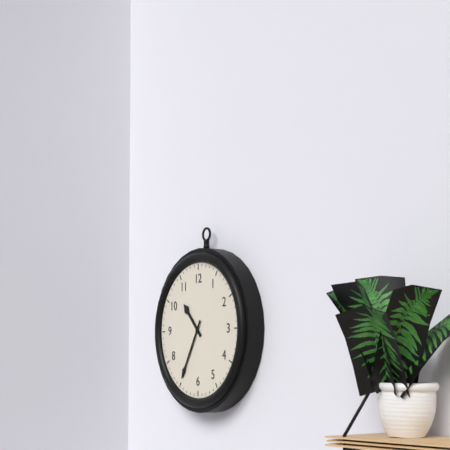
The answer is h=10 m=35
